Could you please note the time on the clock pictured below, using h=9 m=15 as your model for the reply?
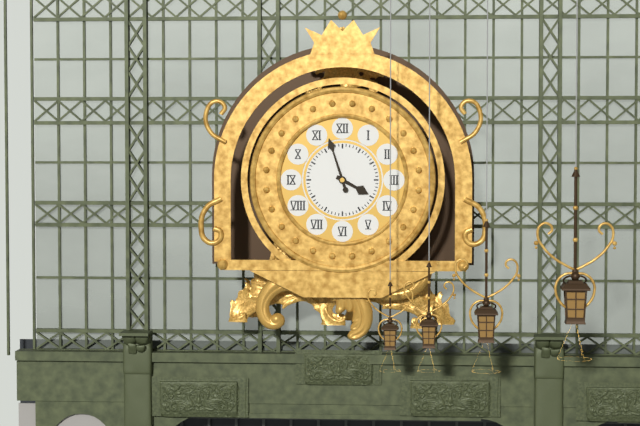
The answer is h=3 m=57
